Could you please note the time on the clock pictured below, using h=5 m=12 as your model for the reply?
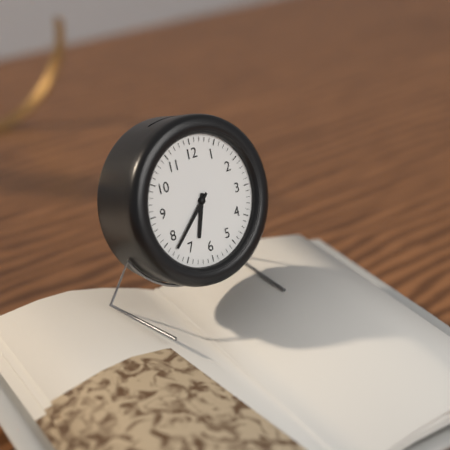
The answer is h=6 m=38
